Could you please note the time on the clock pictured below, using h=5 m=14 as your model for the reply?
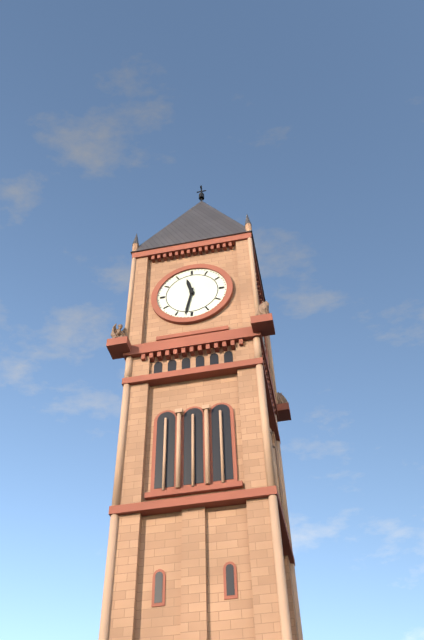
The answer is h=11 m=32
